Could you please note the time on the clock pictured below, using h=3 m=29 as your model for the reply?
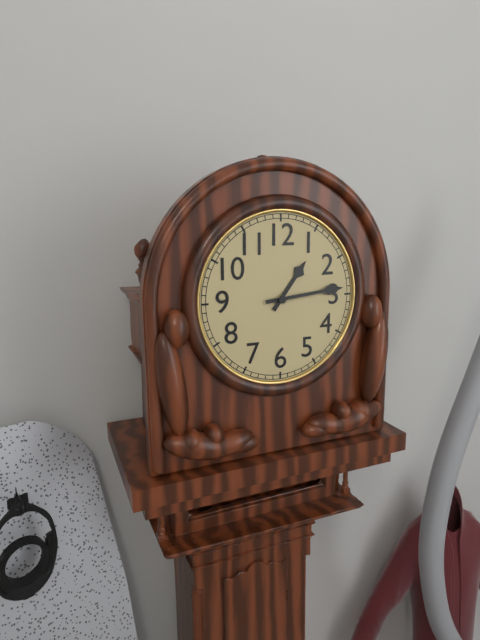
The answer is h=1 m=14
